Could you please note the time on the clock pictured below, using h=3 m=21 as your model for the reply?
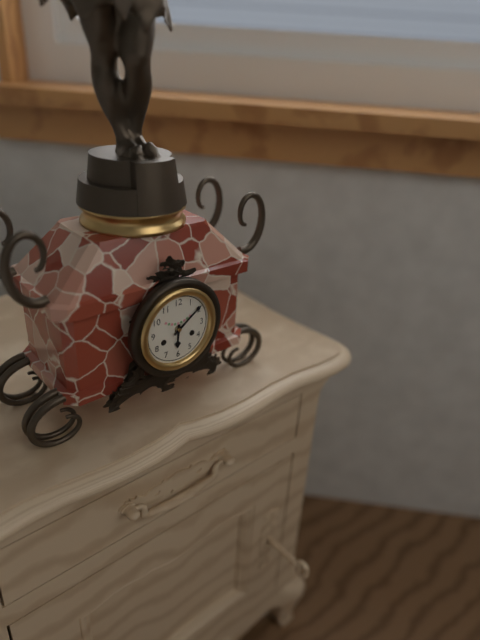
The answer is h=6 m=9
